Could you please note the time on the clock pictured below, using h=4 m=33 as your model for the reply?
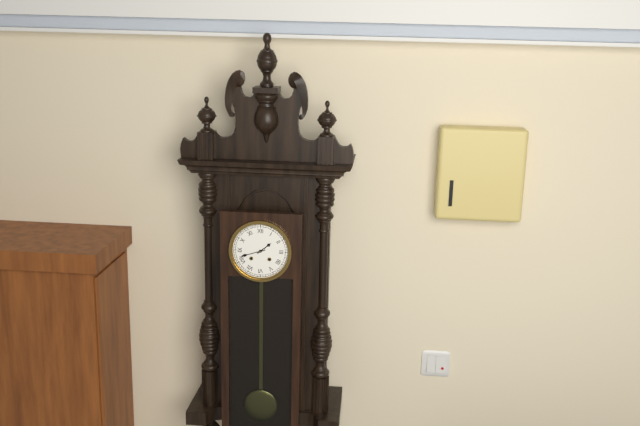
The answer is h=1 m=42
